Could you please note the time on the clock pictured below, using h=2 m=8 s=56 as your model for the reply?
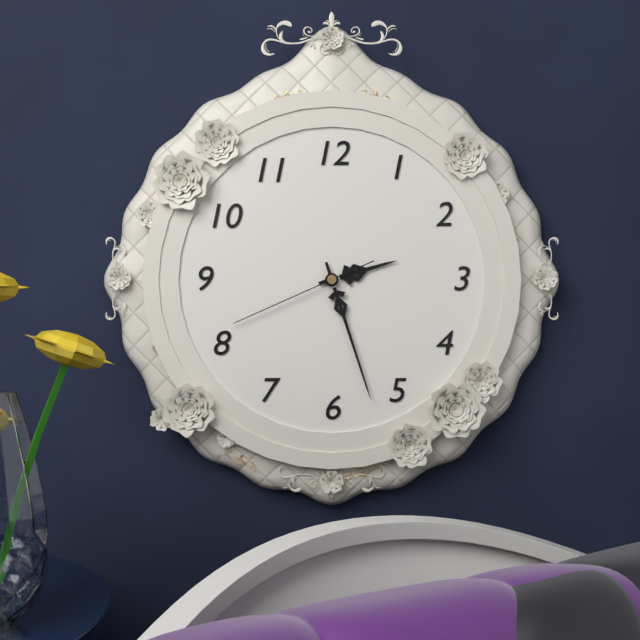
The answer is h=2 m=27 s=41
